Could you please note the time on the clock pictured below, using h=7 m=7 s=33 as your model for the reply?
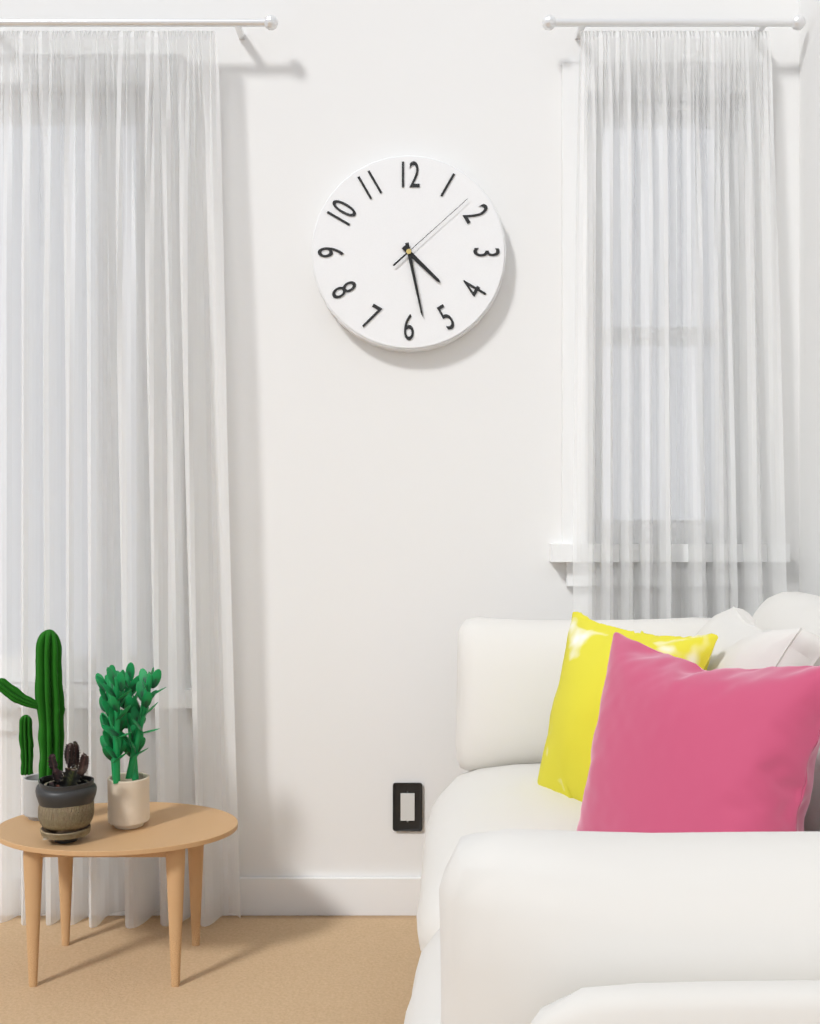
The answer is h=4 m=28 s=8
